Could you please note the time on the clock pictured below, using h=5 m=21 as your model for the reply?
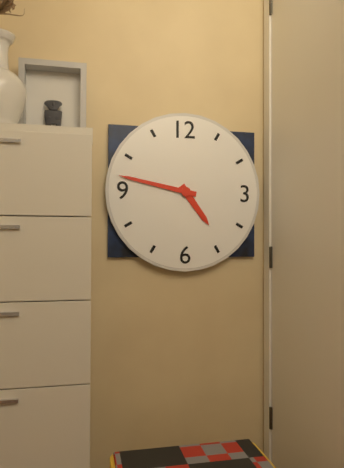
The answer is h=4 m=47
